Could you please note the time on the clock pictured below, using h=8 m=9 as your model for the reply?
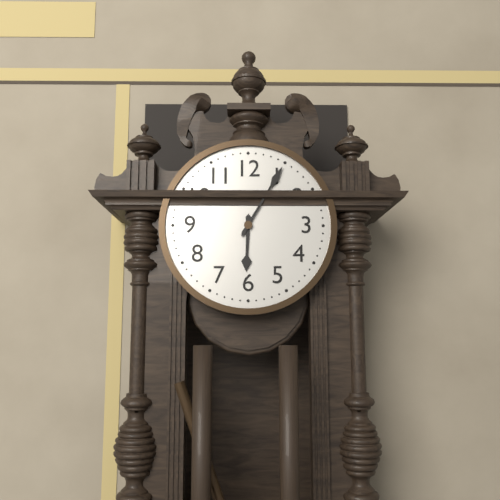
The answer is h=6 m=5
